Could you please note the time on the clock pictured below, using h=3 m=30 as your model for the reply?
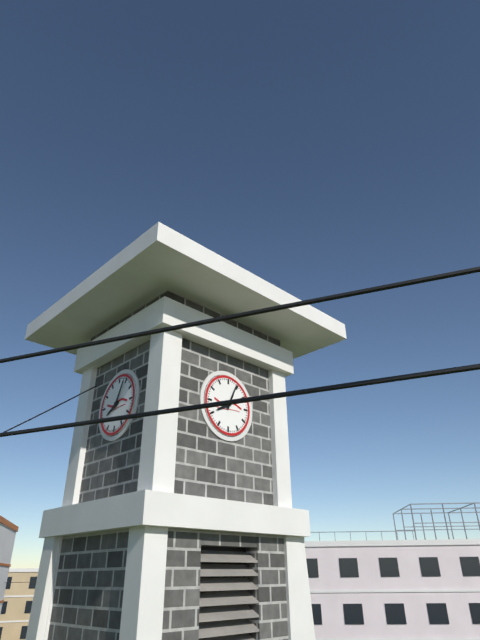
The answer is h=8 m=4
